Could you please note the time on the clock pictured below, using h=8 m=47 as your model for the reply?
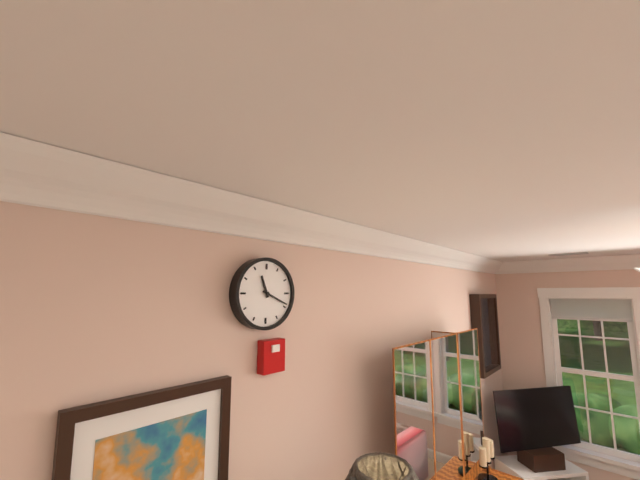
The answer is h=11 m=19
